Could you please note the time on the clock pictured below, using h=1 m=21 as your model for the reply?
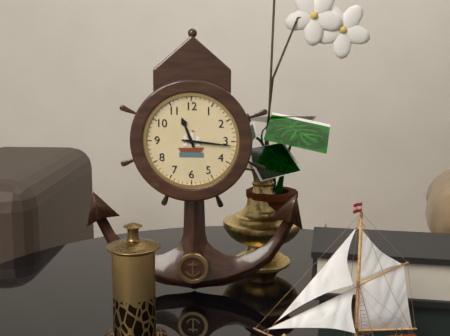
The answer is h=11 m=16
